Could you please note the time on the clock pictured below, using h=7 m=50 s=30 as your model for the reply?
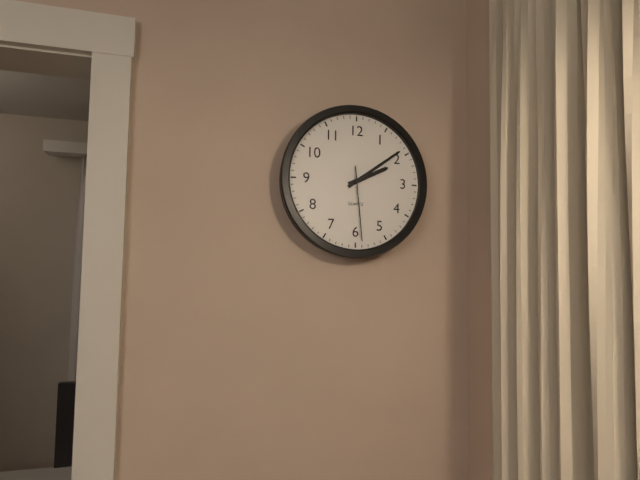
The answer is h=2 m=9 s=29
